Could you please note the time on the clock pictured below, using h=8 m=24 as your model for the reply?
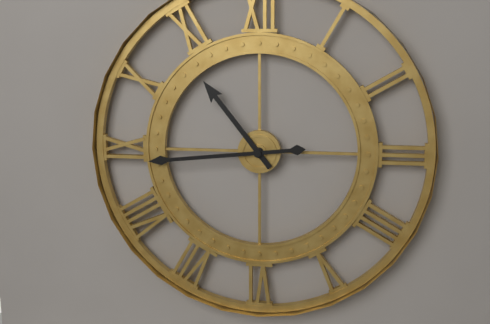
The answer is h=10 m=44
